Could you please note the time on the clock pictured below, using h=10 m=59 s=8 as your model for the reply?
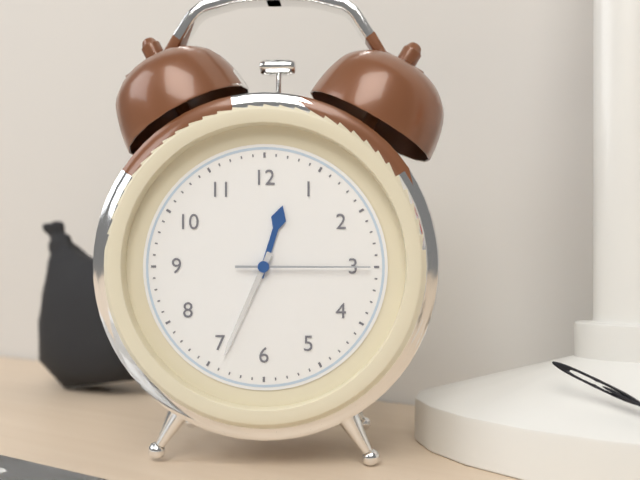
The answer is h=12 m=34 s=15
